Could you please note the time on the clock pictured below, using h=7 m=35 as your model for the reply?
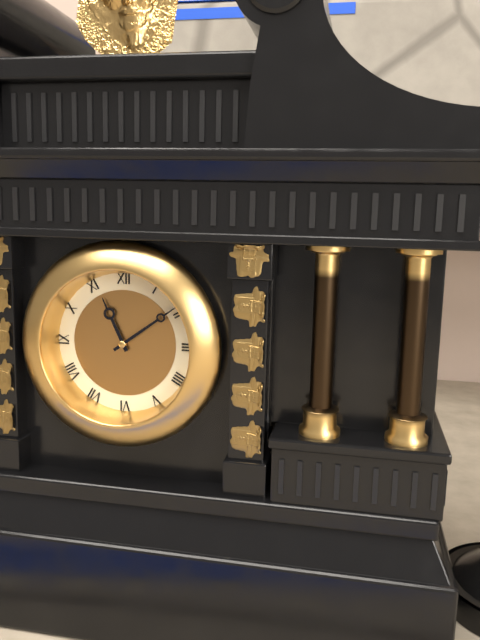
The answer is h=11 m=9
